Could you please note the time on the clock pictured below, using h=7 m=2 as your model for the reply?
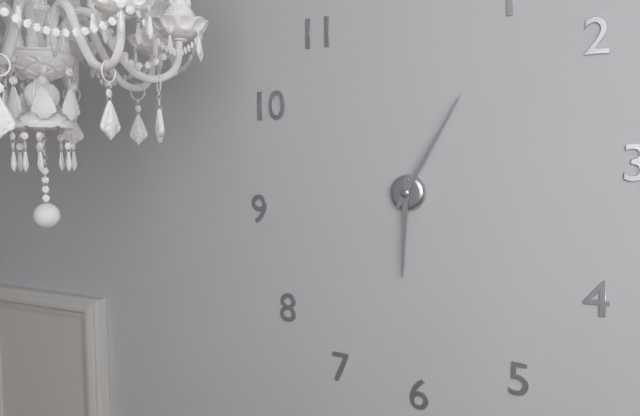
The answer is h=6 m=5
